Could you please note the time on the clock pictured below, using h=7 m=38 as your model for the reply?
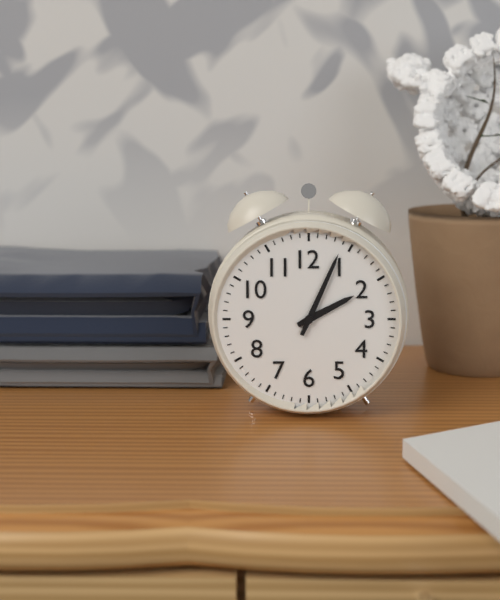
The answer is h=2 m=4
